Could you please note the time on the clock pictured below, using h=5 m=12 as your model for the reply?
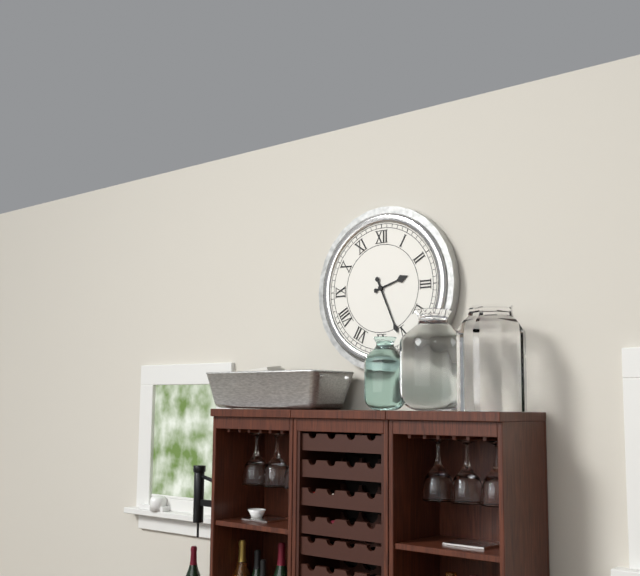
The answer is h=2 m=26
